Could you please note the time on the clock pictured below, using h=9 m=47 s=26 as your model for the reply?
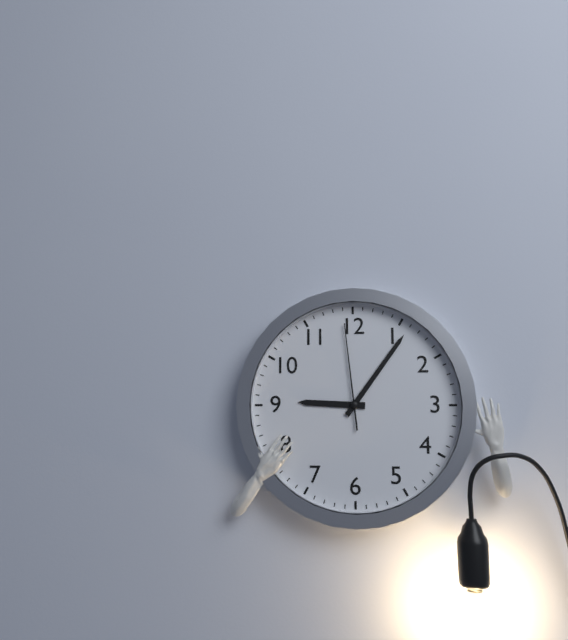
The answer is h=9 m=6 s=59
